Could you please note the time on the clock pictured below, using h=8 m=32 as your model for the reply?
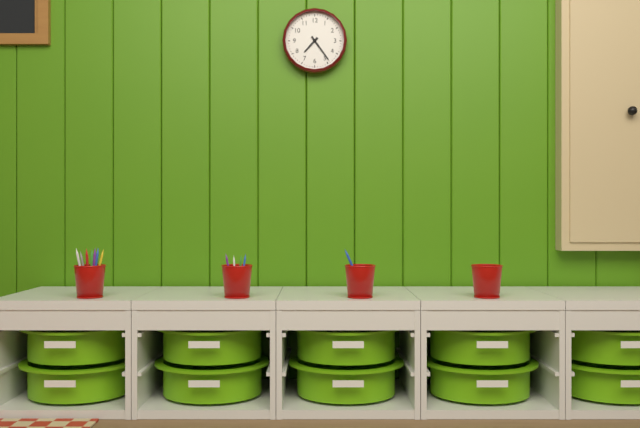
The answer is h=7 m=24
